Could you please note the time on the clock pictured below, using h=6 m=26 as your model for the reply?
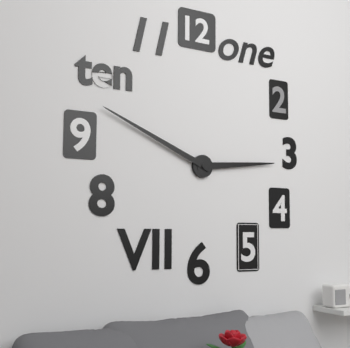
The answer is h=2 m=49
